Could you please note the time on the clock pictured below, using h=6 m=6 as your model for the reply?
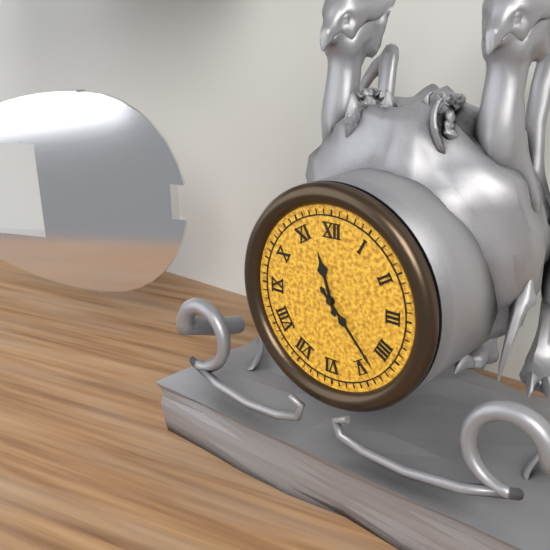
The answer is h=11 m=23
